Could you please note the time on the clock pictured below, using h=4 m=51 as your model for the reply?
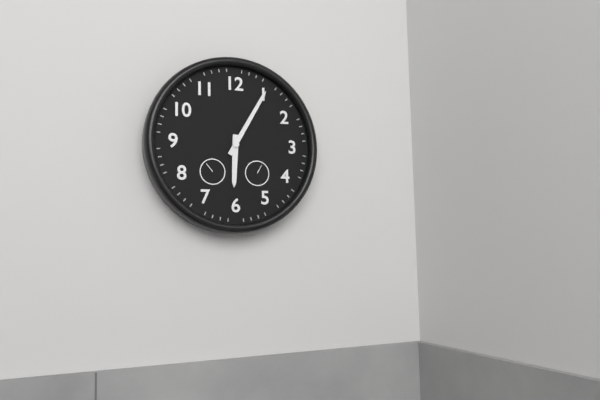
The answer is h=6 m=5
